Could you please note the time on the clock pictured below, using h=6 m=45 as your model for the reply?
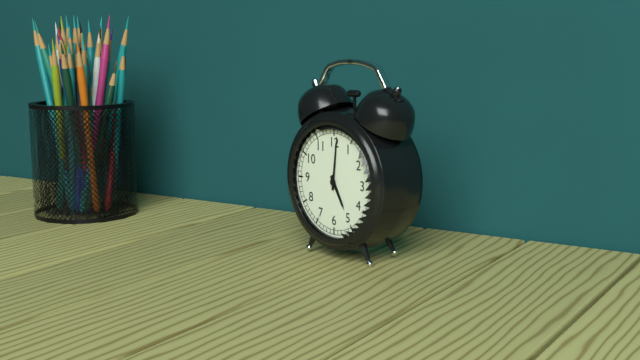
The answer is h=5 m=1
